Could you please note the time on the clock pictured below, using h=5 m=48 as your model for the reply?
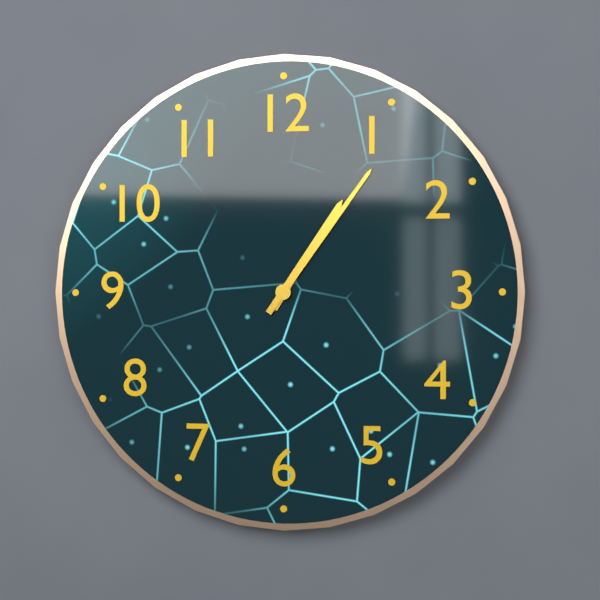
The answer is h=1 m=6
